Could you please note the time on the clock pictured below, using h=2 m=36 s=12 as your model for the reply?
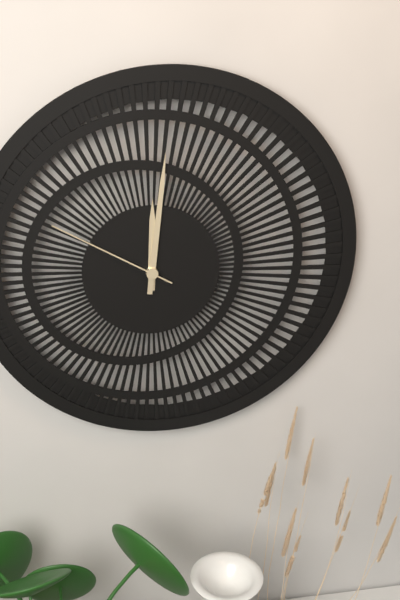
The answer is h=12 m=1 s=50
